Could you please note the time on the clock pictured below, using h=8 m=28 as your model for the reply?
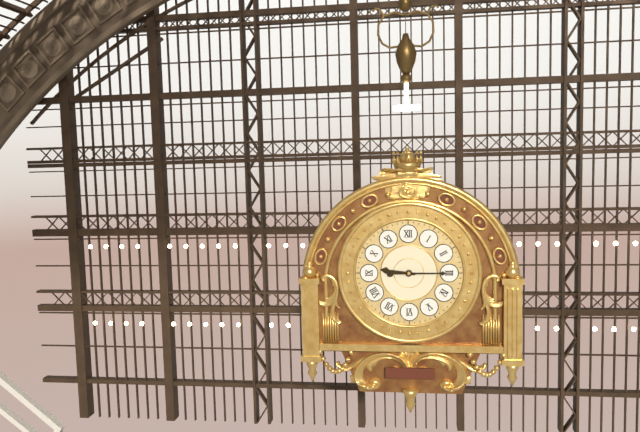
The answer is h=9 m=15
